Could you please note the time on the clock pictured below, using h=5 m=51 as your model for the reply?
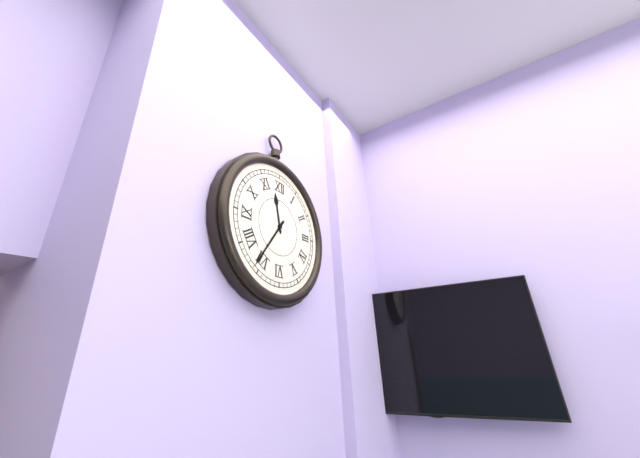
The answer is h=11 m=36
